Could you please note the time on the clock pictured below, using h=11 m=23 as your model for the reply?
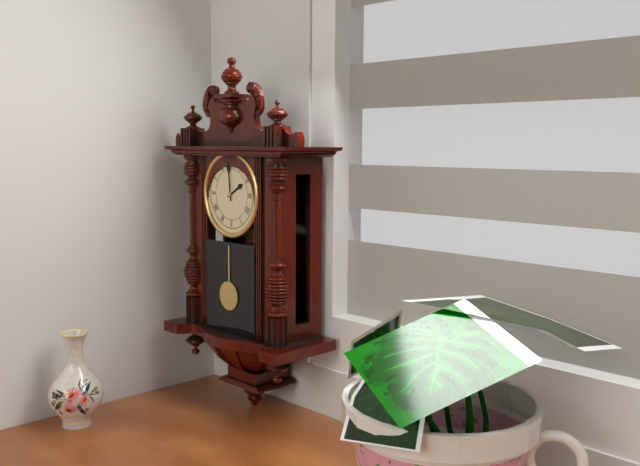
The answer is h=1 m=59
